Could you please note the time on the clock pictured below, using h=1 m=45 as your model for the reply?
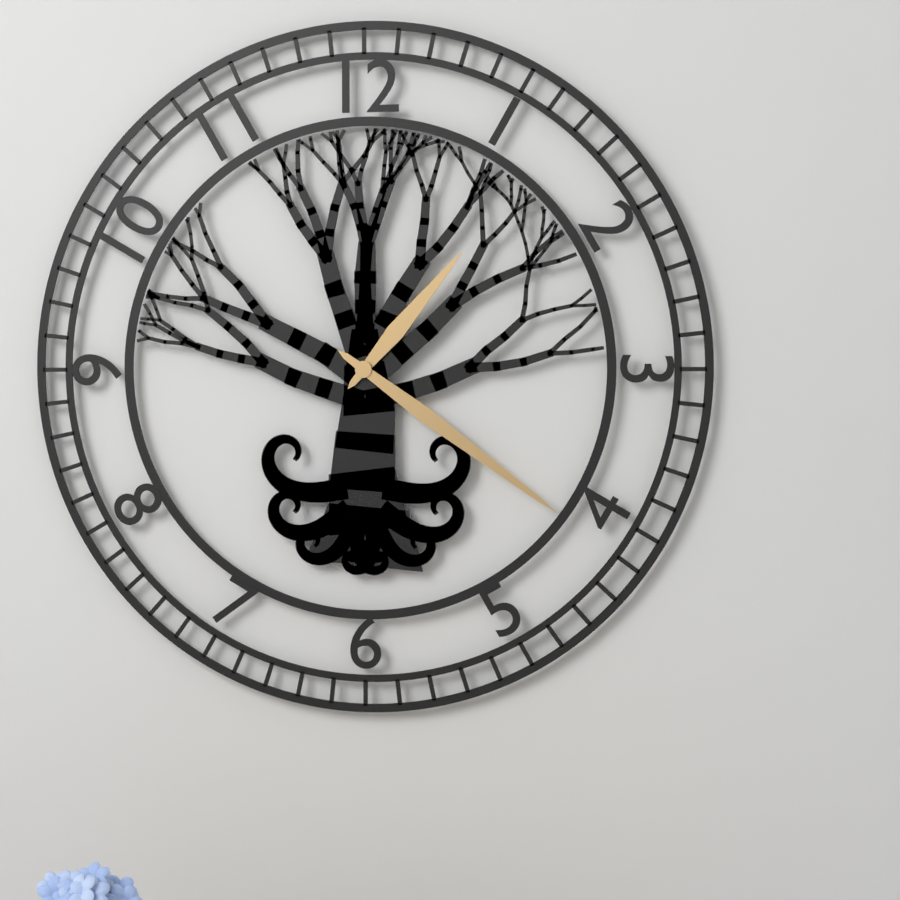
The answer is h=1 m=21
